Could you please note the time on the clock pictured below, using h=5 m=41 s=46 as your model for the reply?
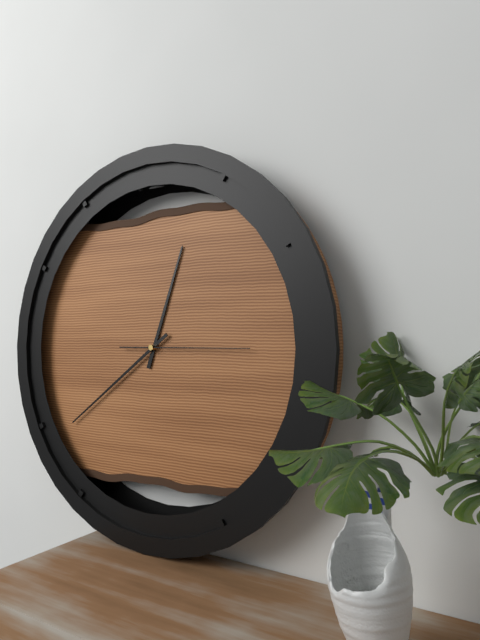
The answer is h=12 m=39 s=15
